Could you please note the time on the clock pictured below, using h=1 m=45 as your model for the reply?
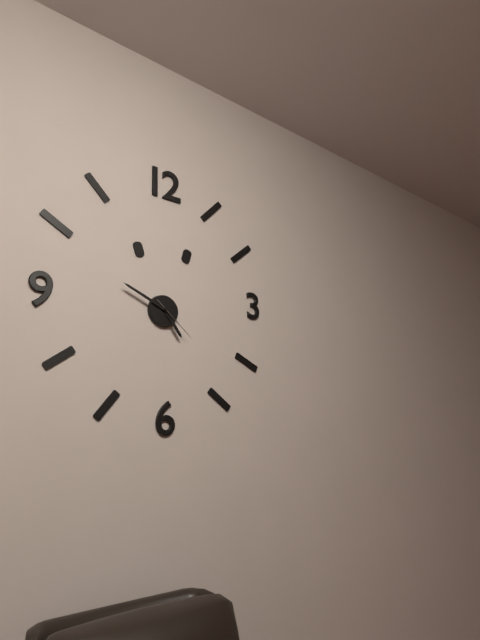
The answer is h=4 m=49
